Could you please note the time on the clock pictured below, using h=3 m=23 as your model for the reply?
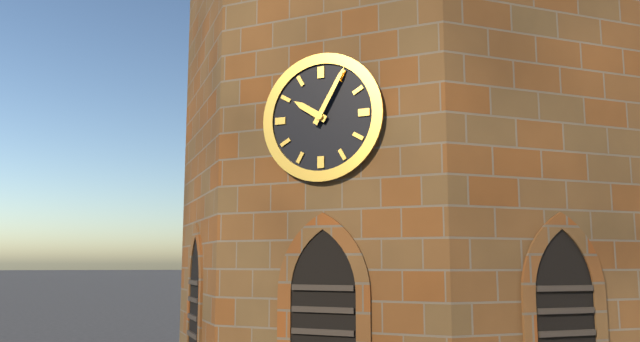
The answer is h=10 m=5
